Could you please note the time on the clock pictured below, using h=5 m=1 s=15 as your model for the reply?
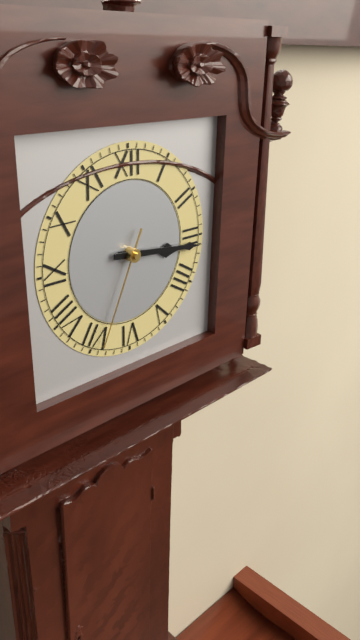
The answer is h=3 m=16 s=34
